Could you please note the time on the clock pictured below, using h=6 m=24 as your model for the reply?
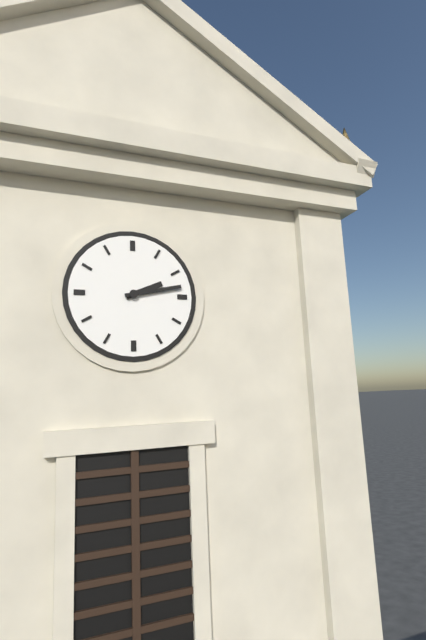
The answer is h=2 m=13
